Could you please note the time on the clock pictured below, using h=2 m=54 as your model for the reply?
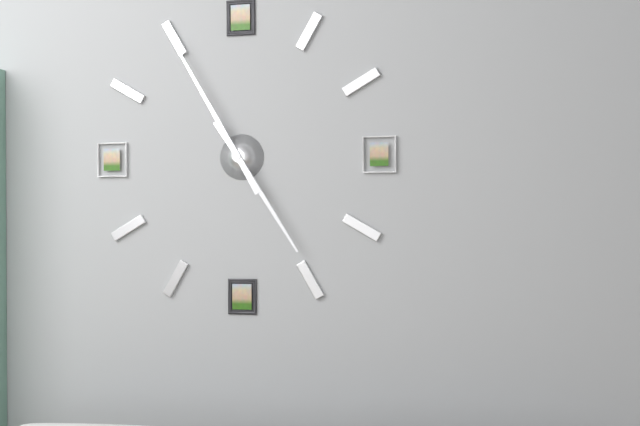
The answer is h=4 m=55
